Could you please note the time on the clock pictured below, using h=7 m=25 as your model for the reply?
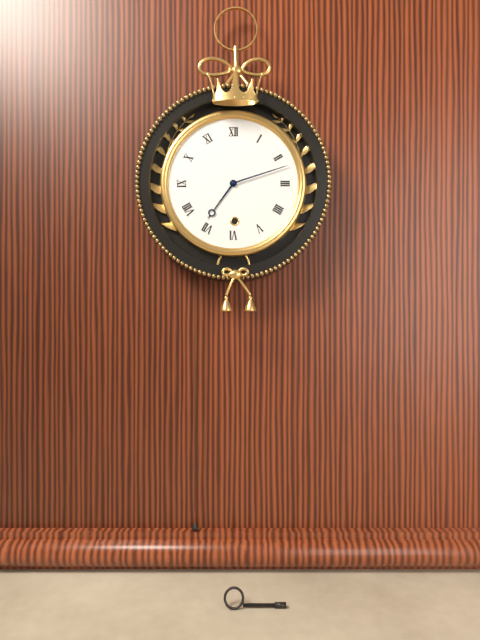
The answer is h=7 m=12
